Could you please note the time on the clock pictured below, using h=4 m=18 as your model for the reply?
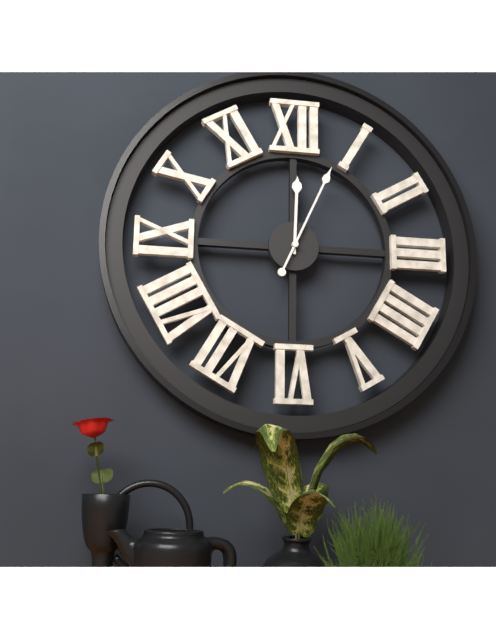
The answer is h=12 m=4
